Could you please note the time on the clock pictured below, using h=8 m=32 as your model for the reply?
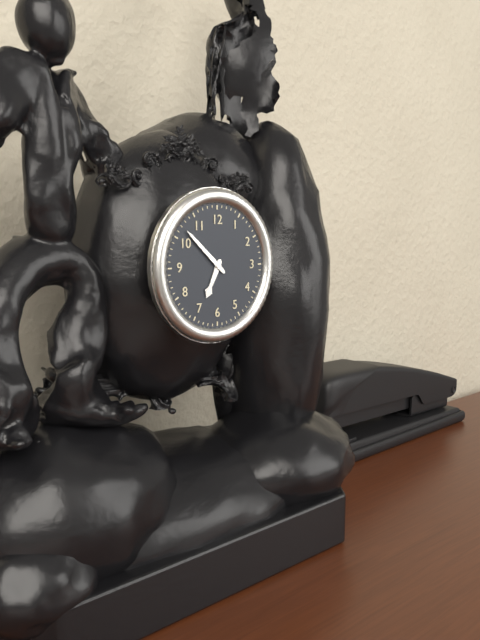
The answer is h=6 m=52
